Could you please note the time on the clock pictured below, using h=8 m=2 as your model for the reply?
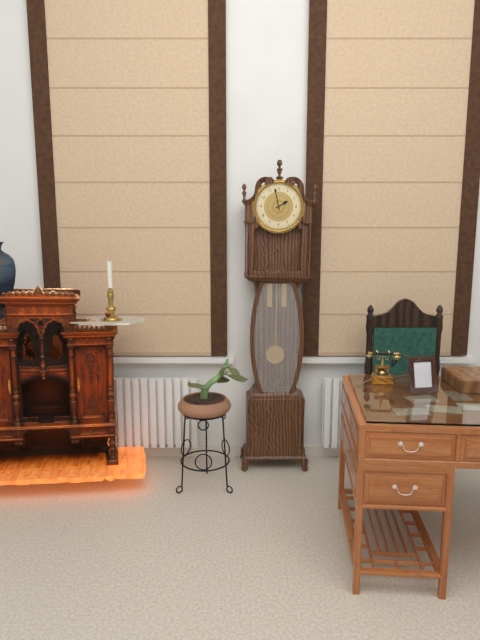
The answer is h=1 m=58
